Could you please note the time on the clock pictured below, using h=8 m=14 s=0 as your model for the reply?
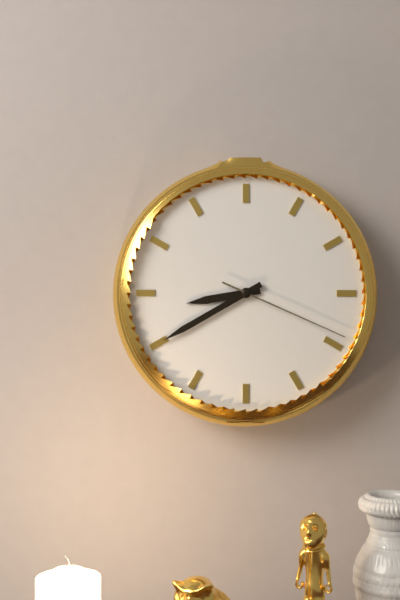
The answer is h=8 m=40 s=19
